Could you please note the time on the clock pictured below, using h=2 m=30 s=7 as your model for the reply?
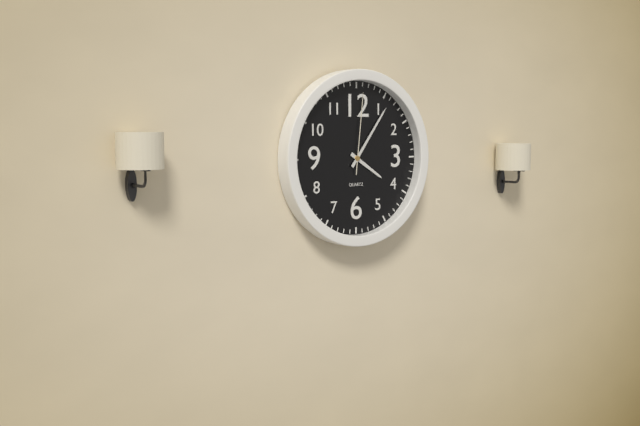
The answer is h=4 m=6 s=1
